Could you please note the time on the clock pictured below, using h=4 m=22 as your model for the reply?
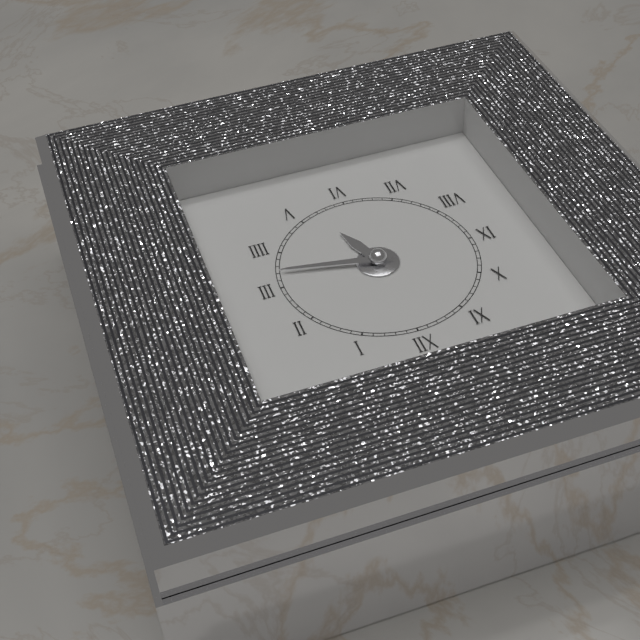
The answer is h=5 m=17
